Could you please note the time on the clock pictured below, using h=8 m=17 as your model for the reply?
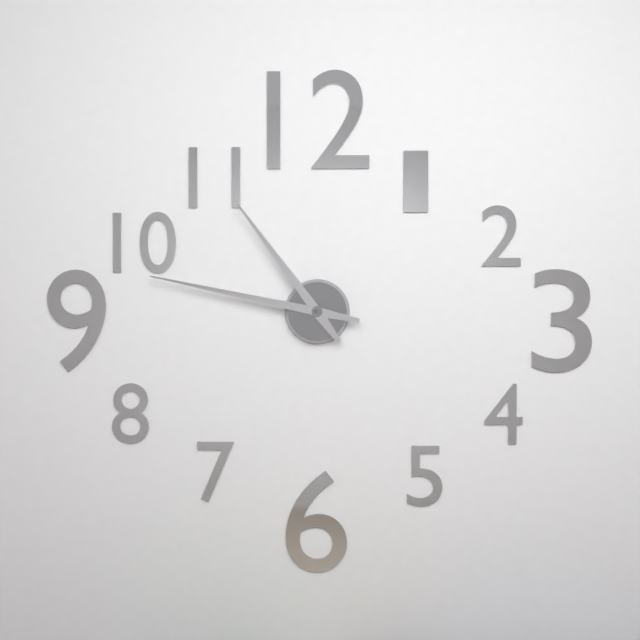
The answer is h=10 m=47
